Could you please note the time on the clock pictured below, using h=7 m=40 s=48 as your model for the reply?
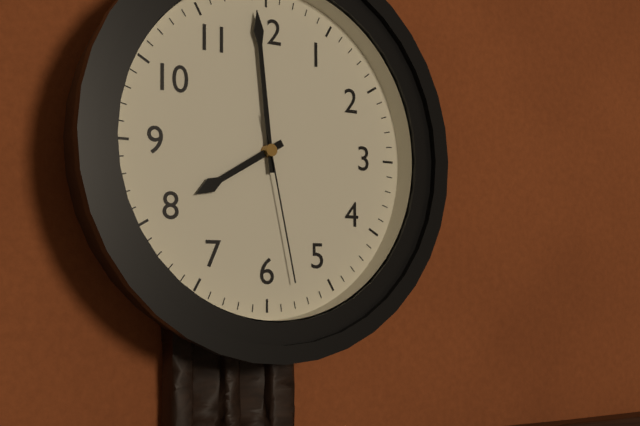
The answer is h=7 m=59 s=28
